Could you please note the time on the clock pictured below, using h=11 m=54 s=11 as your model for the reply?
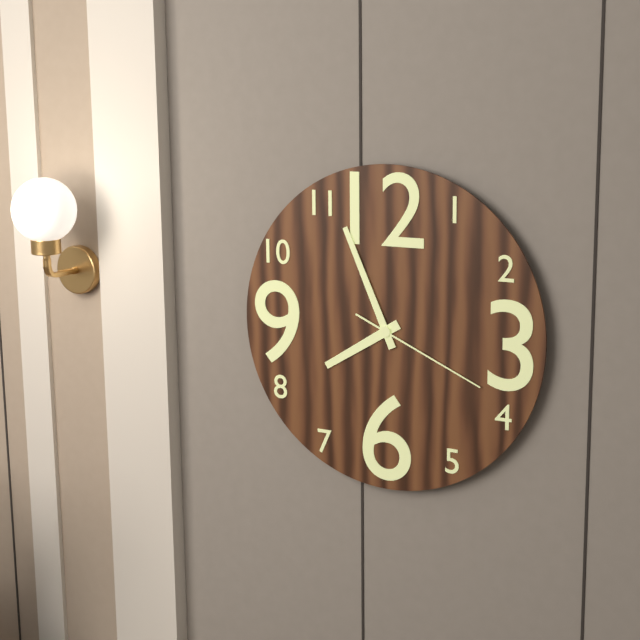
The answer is h=7 m=56 s=19
